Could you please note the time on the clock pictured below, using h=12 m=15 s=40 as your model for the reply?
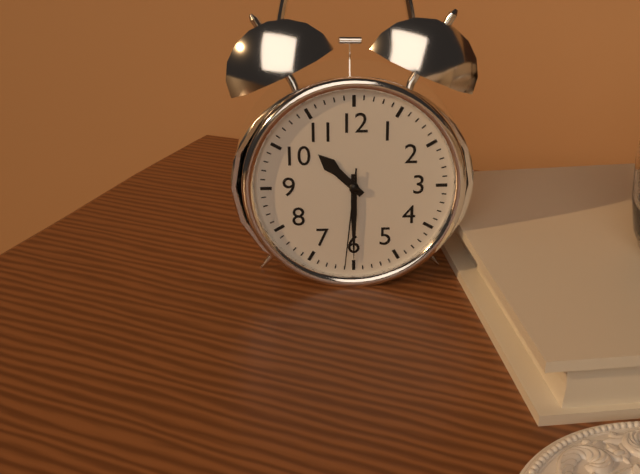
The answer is h=10 m=30 s=31
